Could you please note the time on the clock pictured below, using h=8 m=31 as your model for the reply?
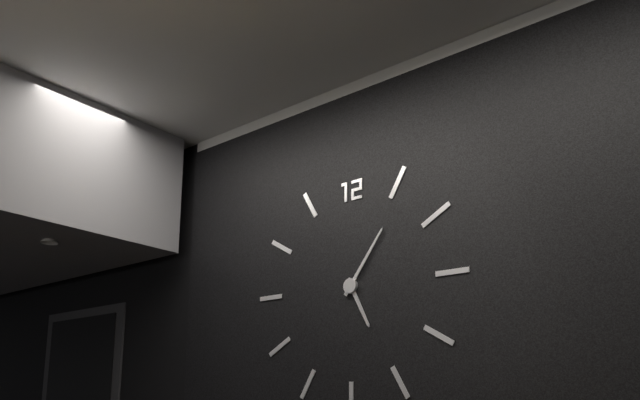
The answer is h=5 m=6
